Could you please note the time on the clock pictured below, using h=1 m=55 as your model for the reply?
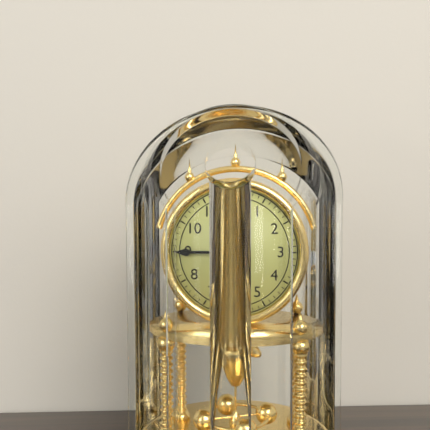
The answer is h=12 m=45
